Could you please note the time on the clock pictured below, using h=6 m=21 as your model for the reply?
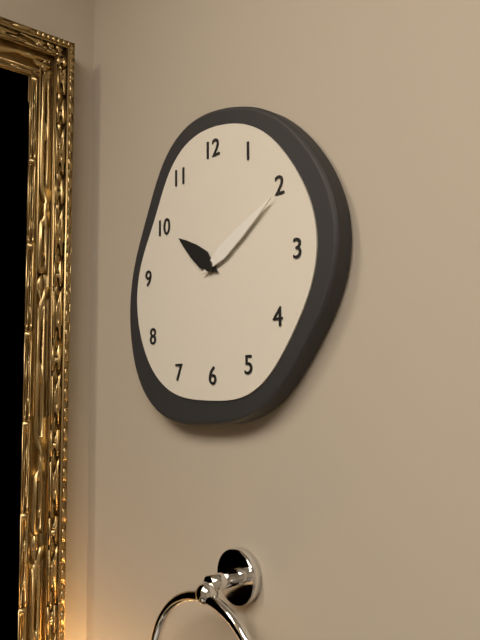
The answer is h=10 m=10
